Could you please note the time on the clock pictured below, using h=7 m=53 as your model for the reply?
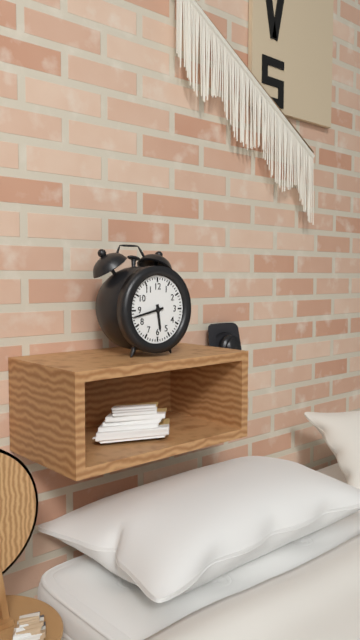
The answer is h=5 m=43
